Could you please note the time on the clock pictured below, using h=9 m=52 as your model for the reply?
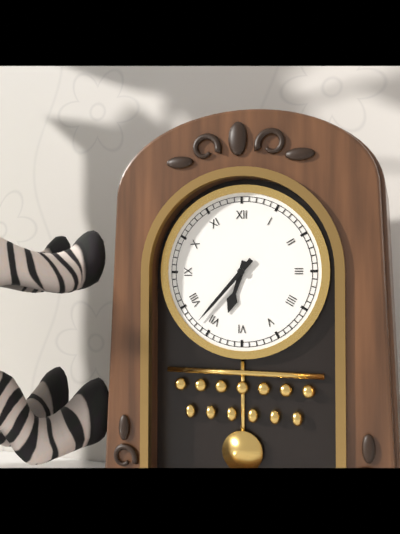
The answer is h=6 m=37
